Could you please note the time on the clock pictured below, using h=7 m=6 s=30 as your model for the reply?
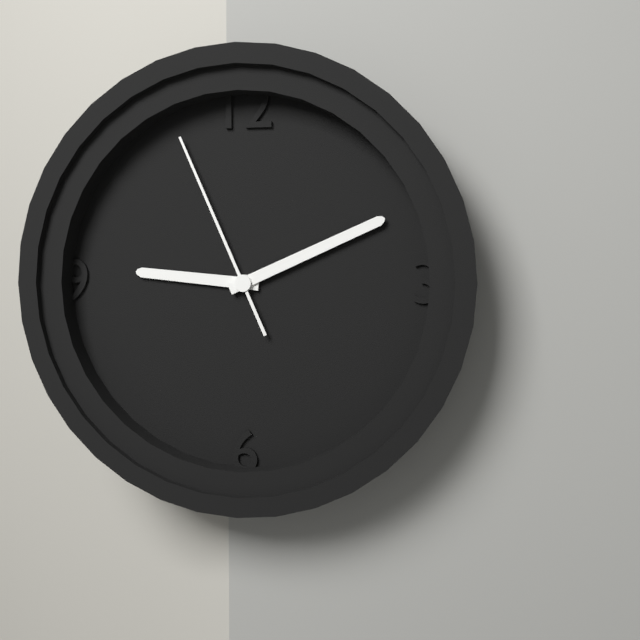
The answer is h=9 m=11 s=56
